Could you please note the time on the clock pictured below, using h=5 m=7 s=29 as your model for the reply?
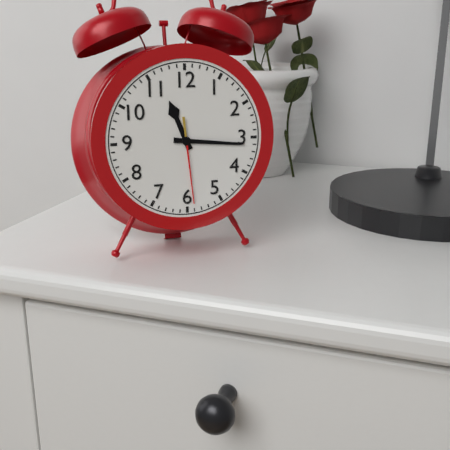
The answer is h=11 m=16 s=29
